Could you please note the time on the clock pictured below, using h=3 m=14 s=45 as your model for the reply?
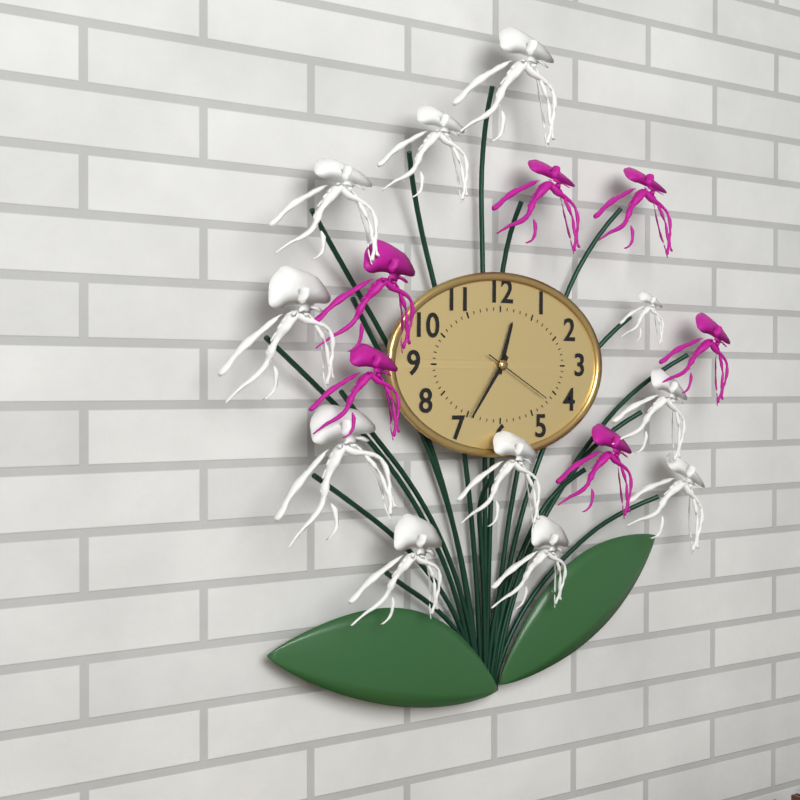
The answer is h=12 m=36 s=20
